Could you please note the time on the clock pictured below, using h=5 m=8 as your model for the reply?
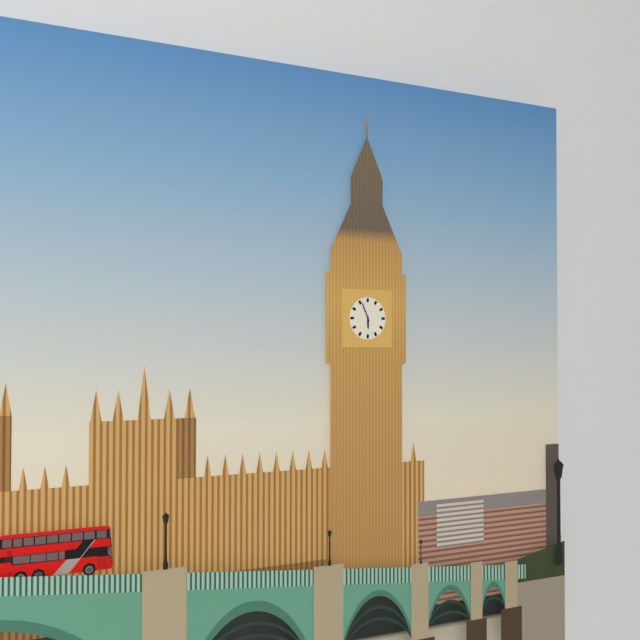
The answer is h=5 m=56
